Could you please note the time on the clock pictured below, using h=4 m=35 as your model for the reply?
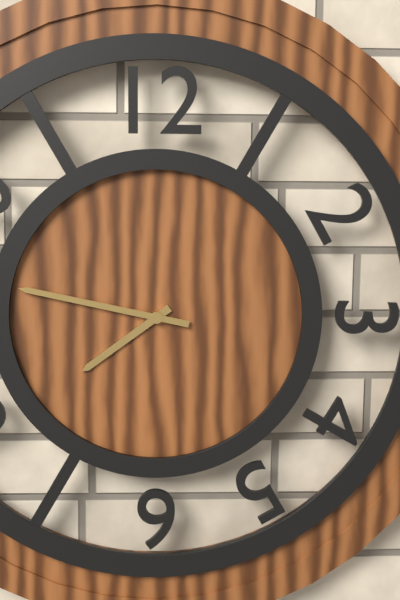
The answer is h=7 m=47
